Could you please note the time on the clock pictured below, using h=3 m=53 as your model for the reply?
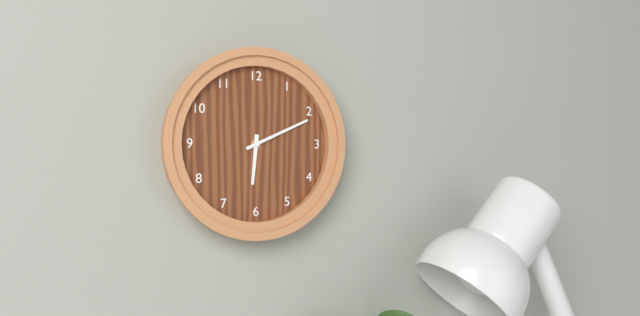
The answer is h=6 m=11
